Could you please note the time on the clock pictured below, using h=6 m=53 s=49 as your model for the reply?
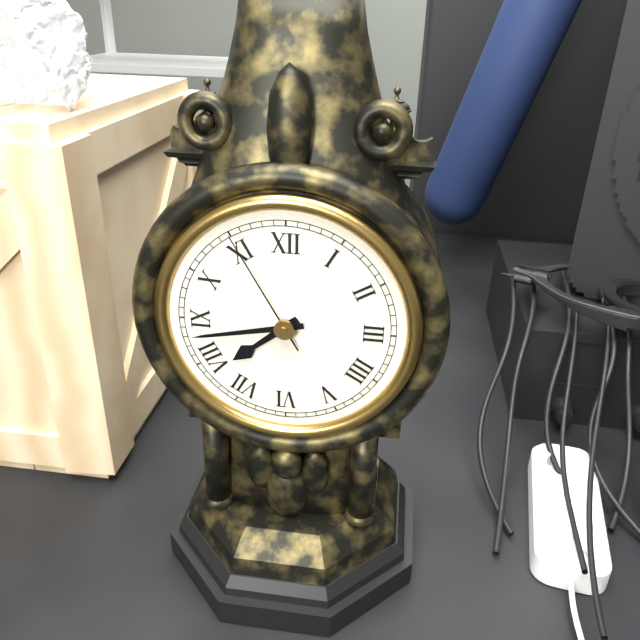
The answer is h=7 m=43 s=55
